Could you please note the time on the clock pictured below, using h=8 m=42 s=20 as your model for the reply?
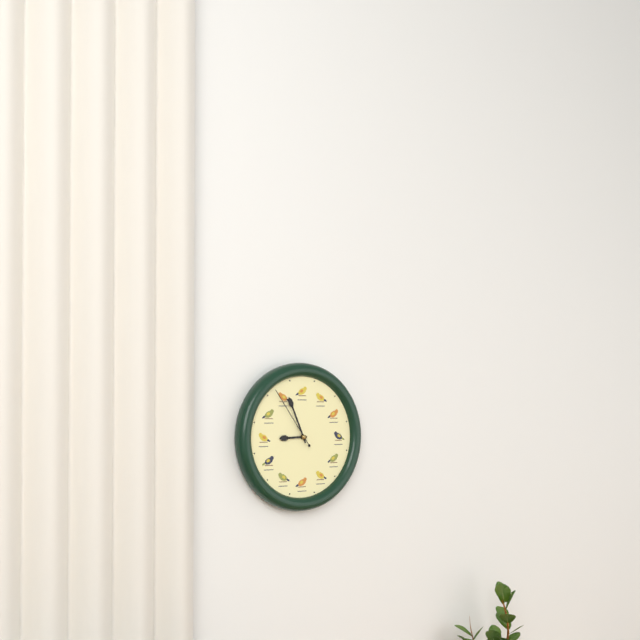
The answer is h=8 m=56 s=54
